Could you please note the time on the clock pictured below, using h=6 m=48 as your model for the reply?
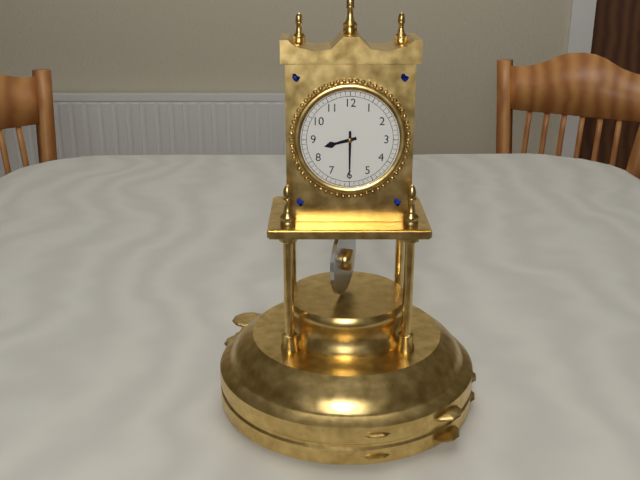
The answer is h=8 m=30
